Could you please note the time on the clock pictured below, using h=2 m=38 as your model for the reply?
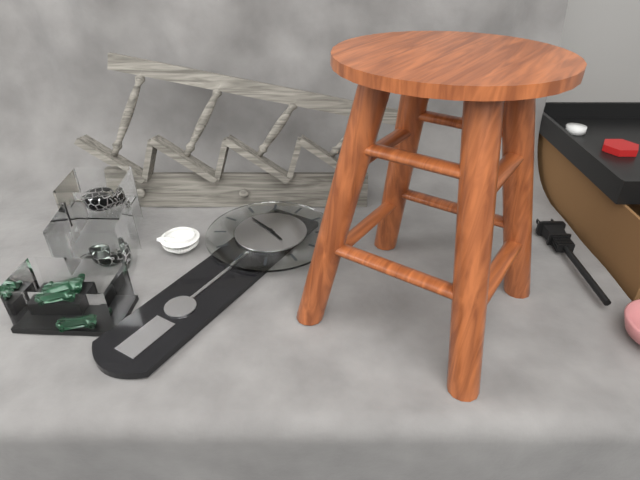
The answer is h=3 m=48
